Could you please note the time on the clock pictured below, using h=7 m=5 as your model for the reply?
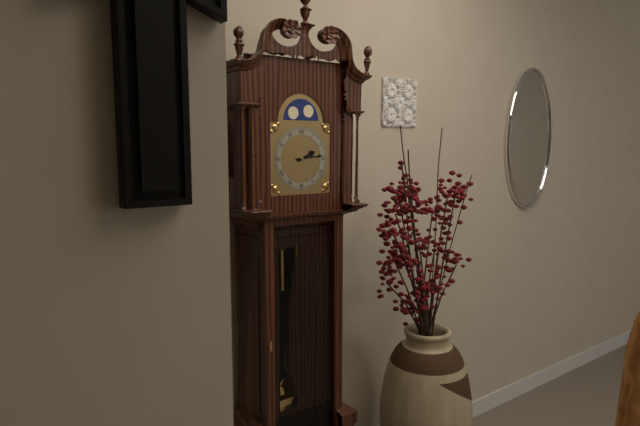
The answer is h=2 m=14
